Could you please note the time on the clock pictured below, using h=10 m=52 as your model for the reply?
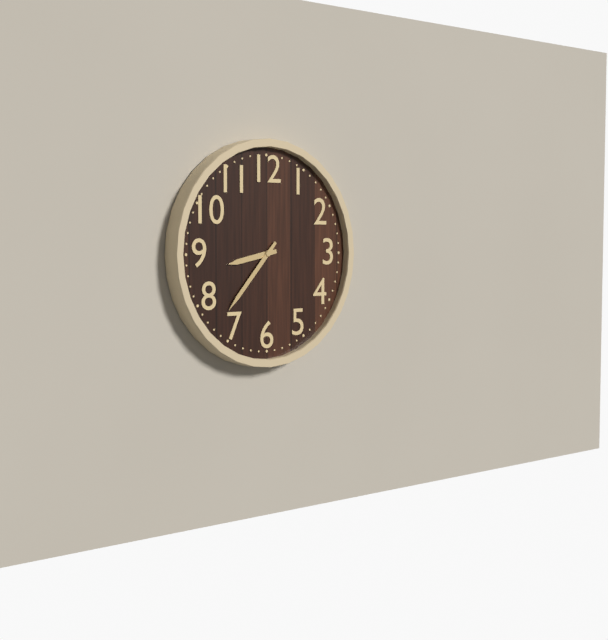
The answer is h=8 m=37
